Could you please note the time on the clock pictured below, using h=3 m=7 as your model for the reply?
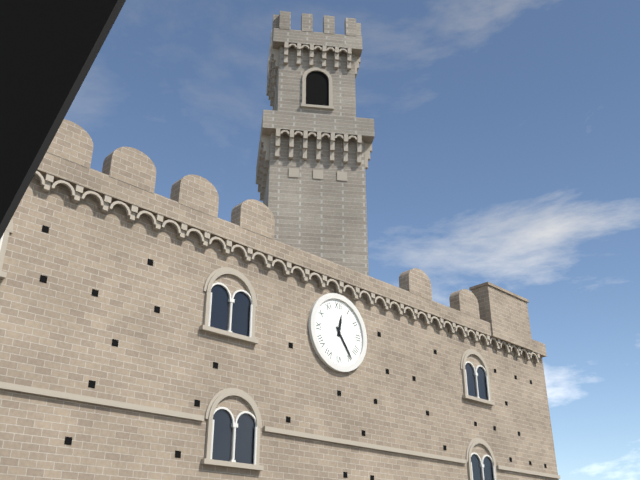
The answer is h=12 m=24
